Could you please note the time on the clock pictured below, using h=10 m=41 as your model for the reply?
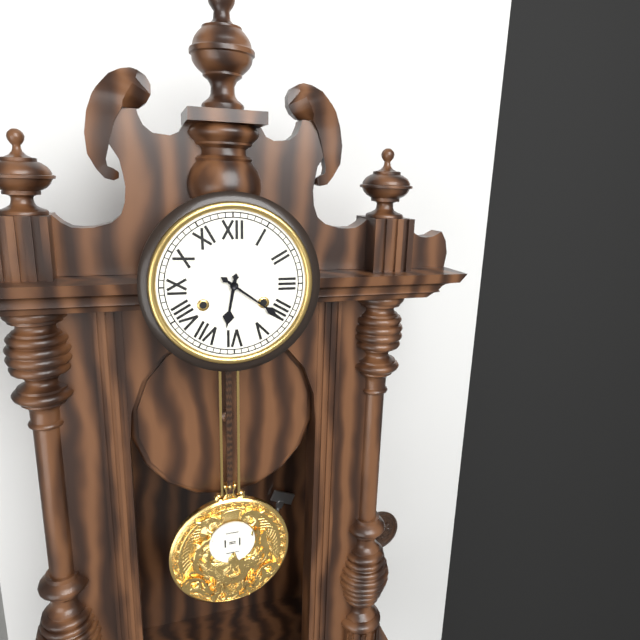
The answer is h=6 m=21
